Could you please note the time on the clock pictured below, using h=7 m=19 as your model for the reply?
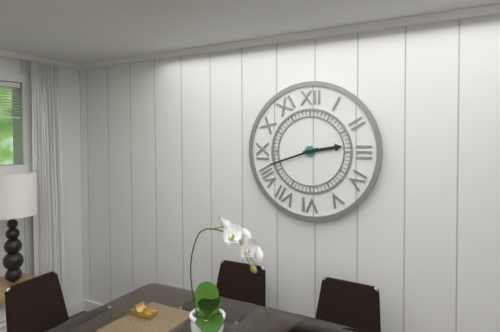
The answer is h=2 m=42
